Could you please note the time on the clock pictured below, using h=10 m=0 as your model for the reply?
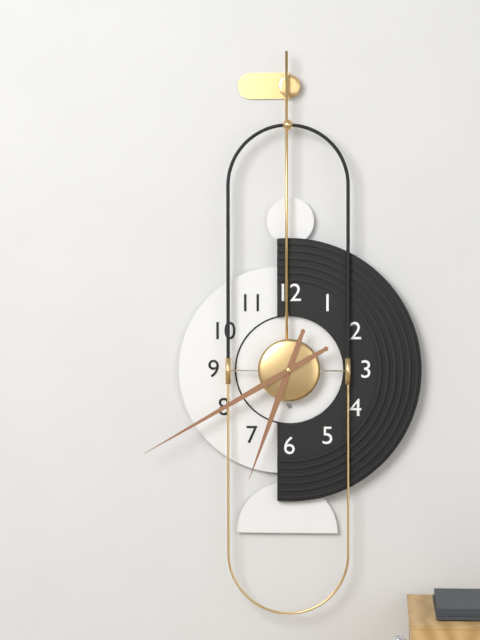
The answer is h=6 m=40
